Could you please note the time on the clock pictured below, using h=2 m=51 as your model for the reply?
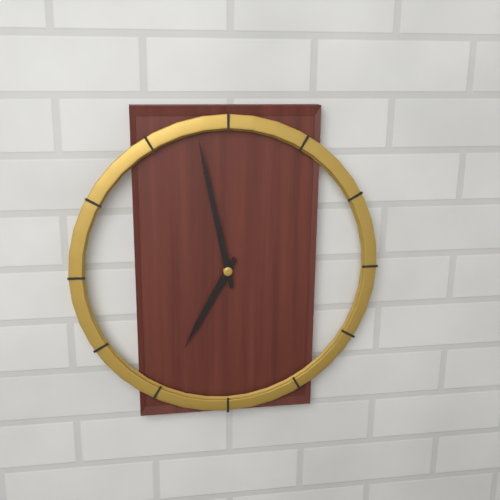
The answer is h=6 m=58
